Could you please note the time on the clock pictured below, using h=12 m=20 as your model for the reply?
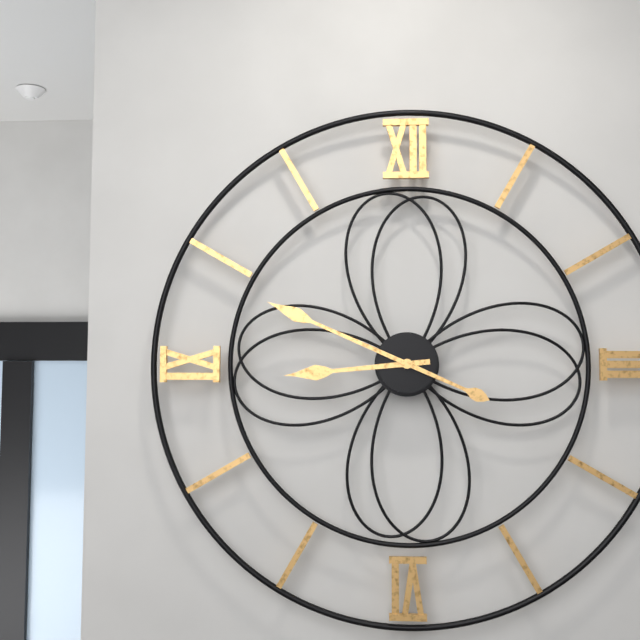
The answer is h=8 m=49
